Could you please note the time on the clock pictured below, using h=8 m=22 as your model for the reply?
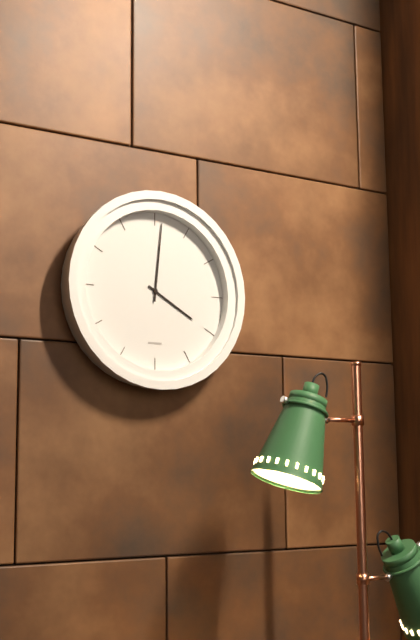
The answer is h=4 m=1
